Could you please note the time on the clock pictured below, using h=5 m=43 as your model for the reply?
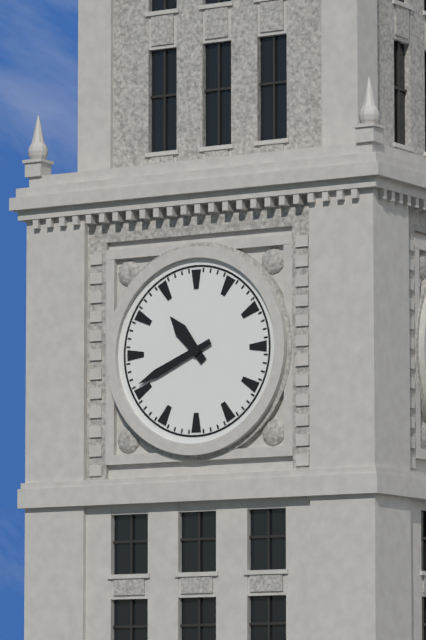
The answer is h=10 m=41
